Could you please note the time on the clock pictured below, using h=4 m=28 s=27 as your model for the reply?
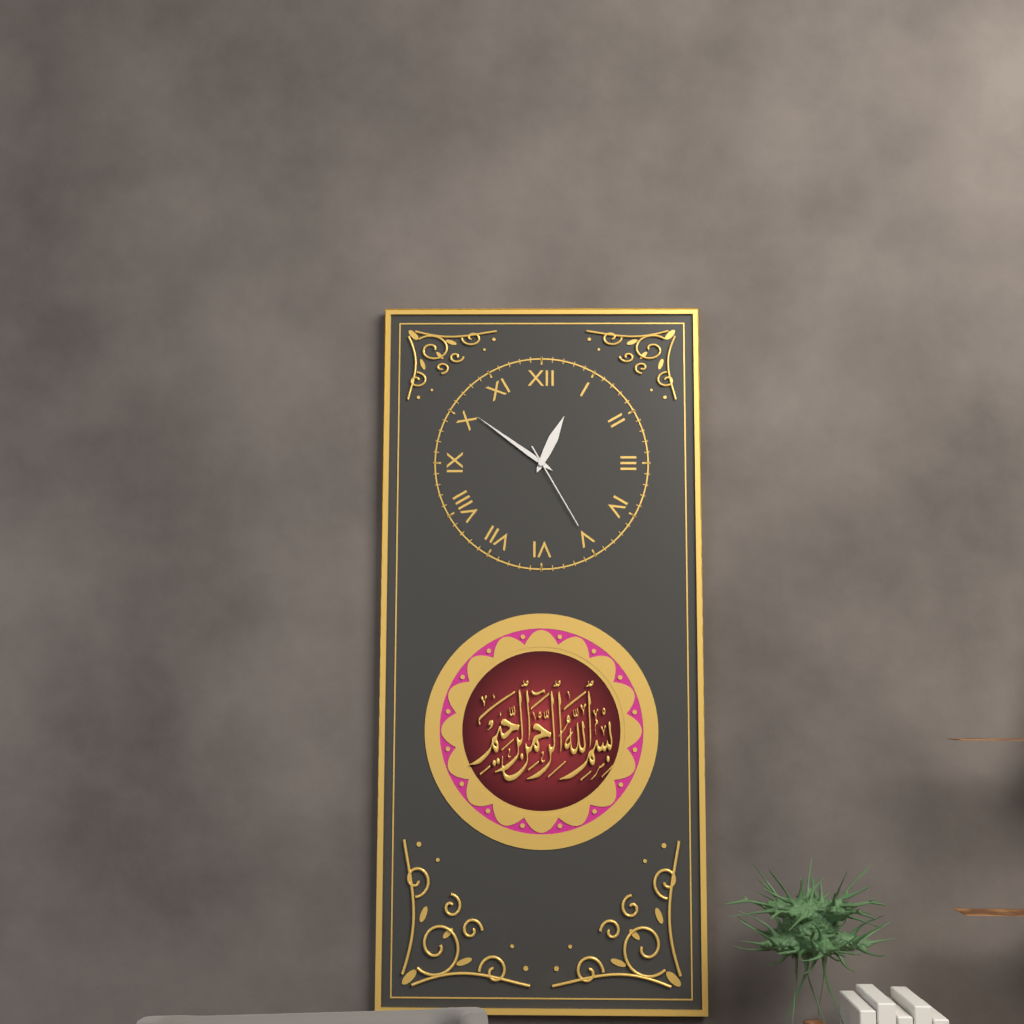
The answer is h=12 m=51 s=25
